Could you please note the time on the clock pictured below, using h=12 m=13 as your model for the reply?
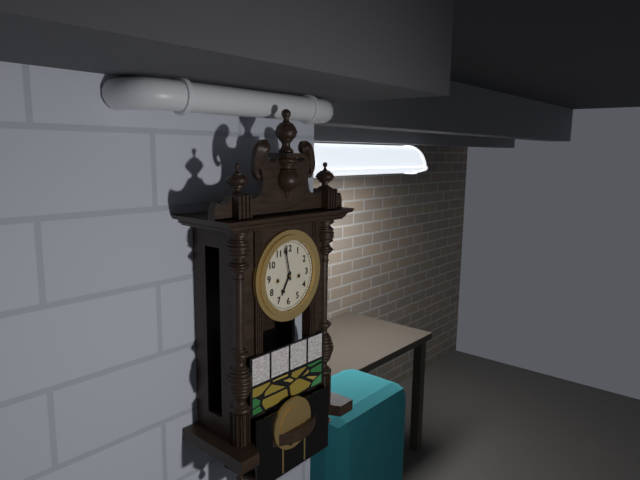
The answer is h=6 m=58
